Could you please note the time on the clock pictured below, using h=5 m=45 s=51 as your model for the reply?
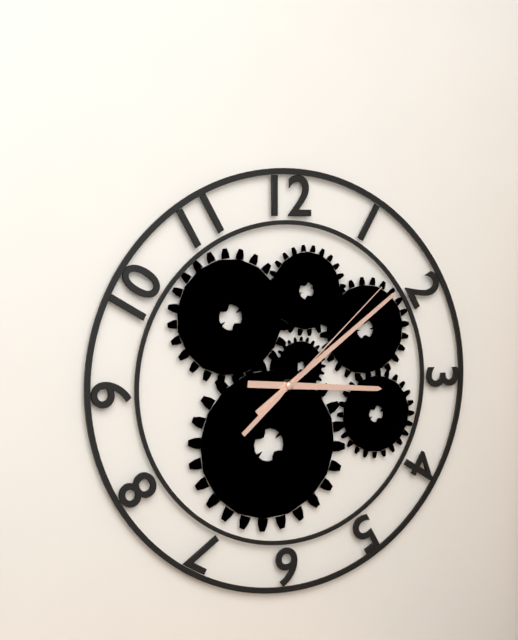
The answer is h=3 m=9 s=8
